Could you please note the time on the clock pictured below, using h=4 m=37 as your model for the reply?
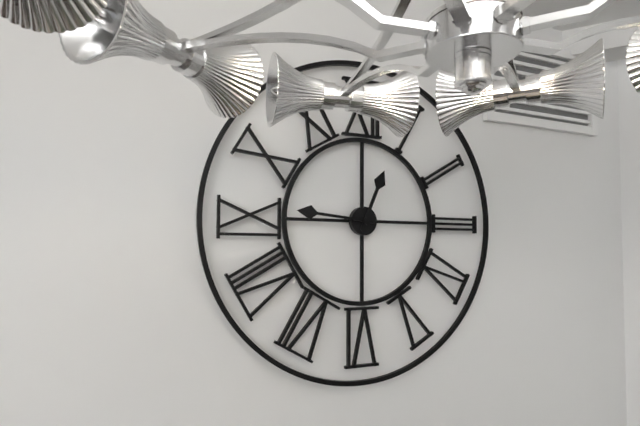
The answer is h=12 m=46
